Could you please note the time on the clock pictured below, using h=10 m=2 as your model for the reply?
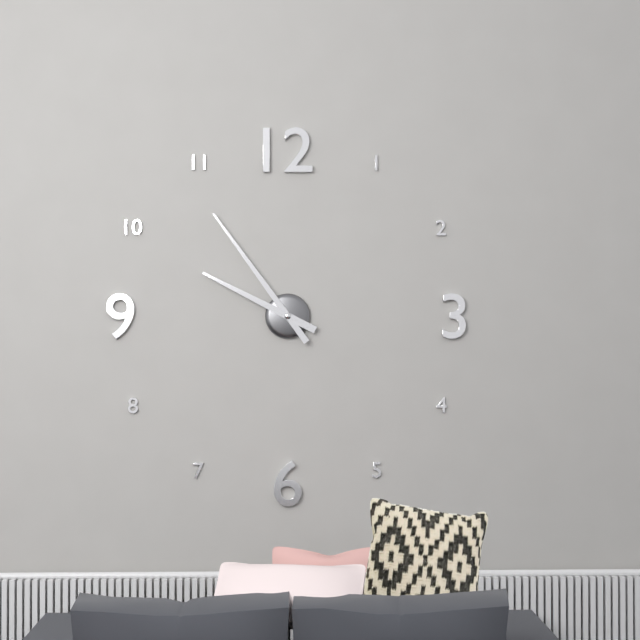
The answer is h=9 m=54
